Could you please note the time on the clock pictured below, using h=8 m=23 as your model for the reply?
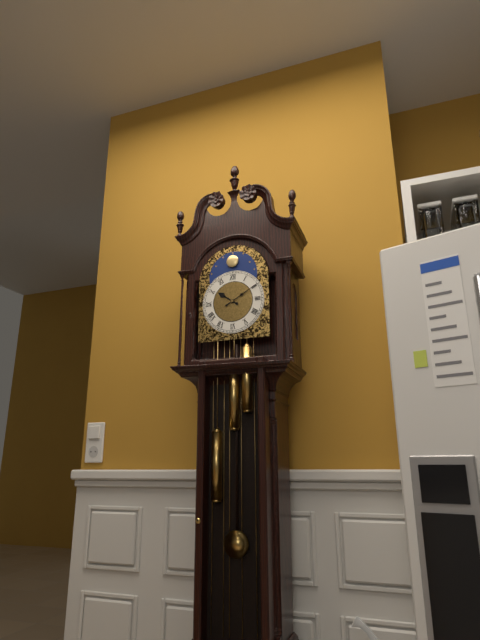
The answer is h=10 m=10
